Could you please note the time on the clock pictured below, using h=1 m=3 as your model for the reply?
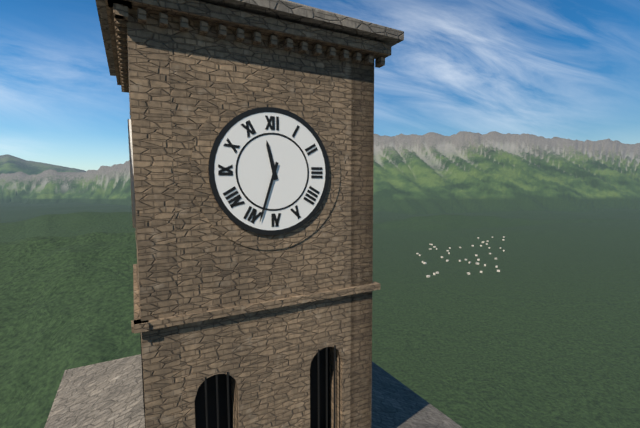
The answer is h=11 m=33
